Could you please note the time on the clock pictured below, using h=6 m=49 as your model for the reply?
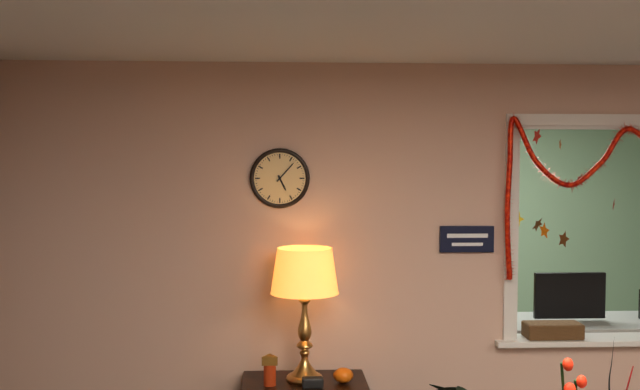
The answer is h=5 m=7
